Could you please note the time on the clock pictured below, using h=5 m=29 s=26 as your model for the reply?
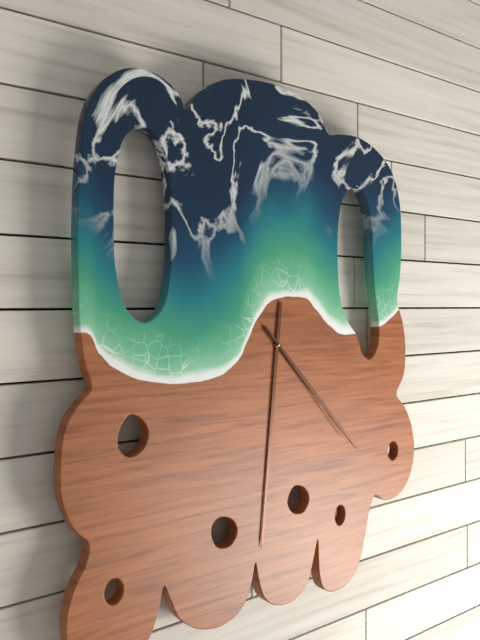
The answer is h=4 m=31 s=23
